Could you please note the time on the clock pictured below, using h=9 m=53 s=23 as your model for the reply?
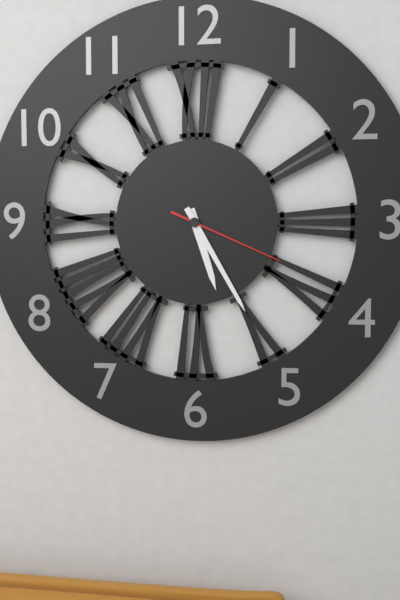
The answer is h=5 m=25 s=19
